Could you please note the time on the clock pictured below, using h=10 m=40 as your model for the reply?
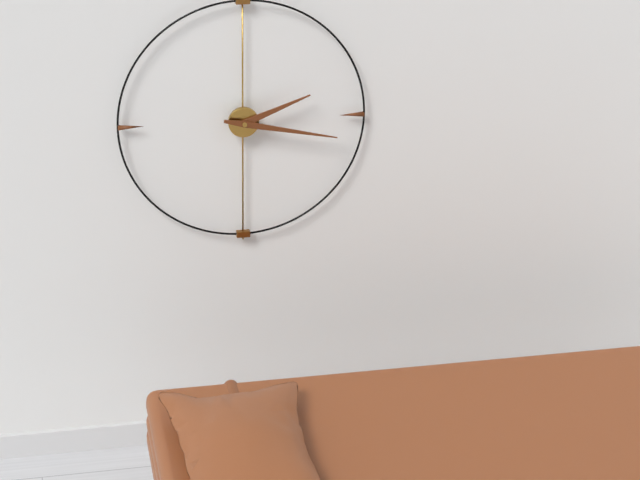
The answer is h=2 m=17
